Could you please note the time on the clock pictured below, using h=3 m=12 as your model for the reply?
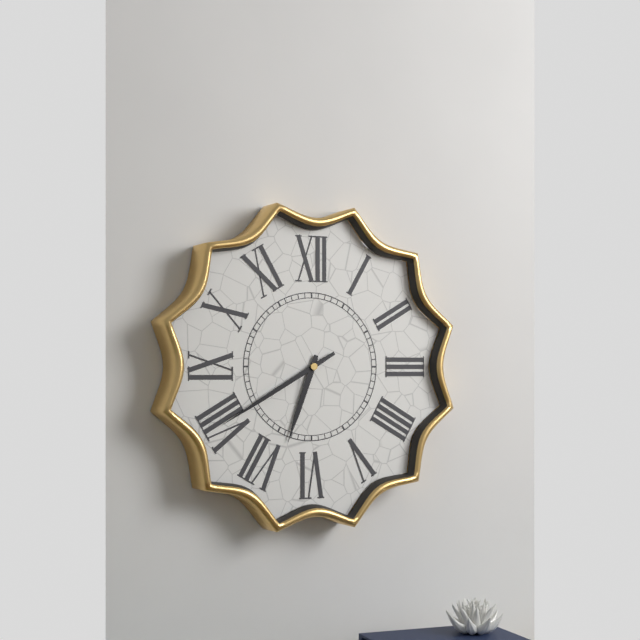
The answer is h=6 m=40
